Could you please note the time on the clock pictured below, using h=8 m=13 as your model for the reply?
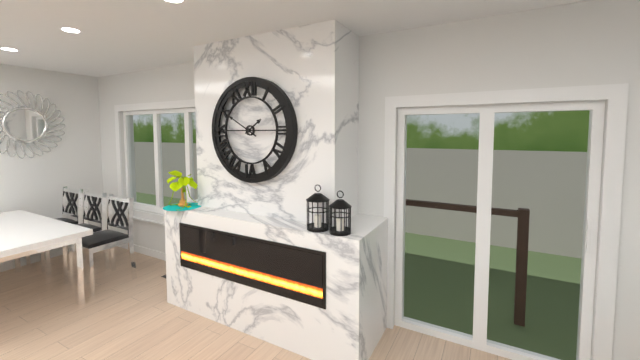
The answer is h=1 m=50
